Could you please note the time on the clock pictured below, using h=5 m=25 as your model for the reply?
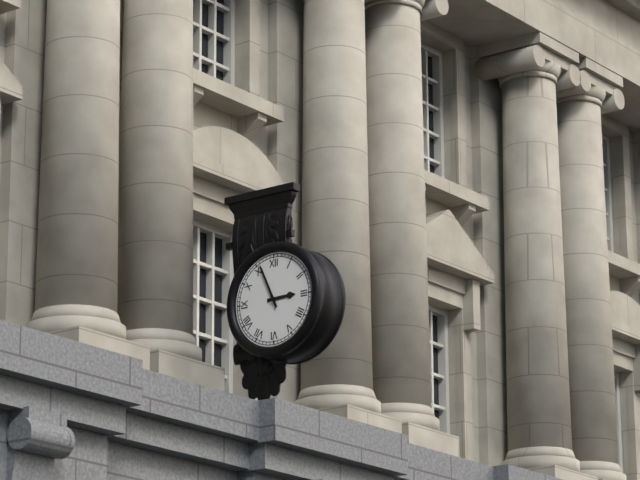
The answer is h=2 m=56
